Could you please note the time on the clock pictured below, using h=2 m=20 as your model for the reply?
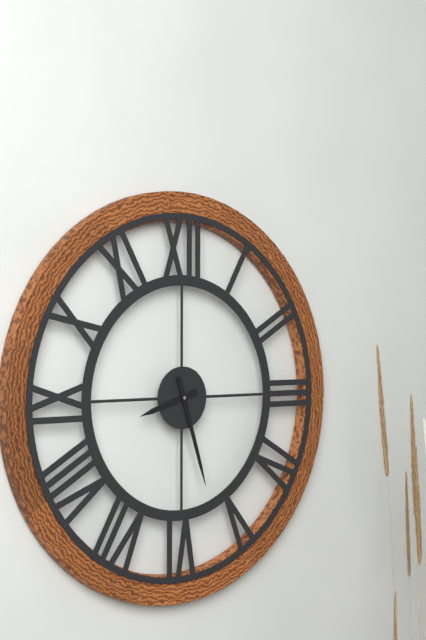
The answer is h=8 m=27
